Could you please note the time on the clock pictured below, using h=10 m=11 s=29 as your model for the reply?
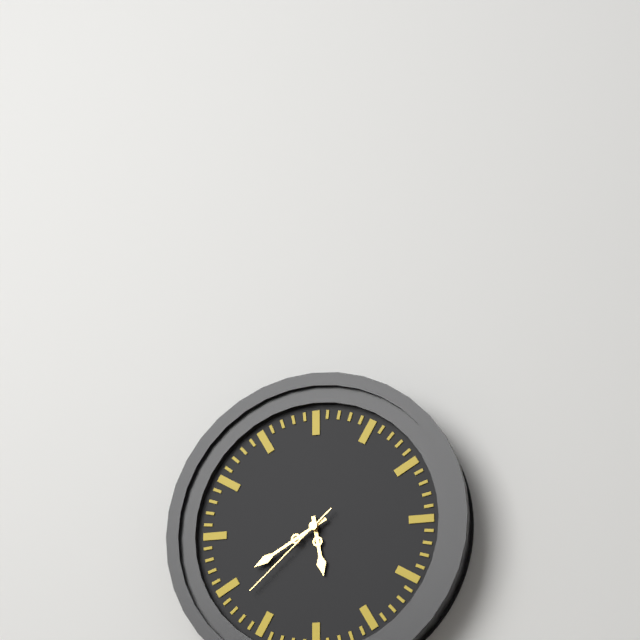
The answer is h=5 m=40 s=38
